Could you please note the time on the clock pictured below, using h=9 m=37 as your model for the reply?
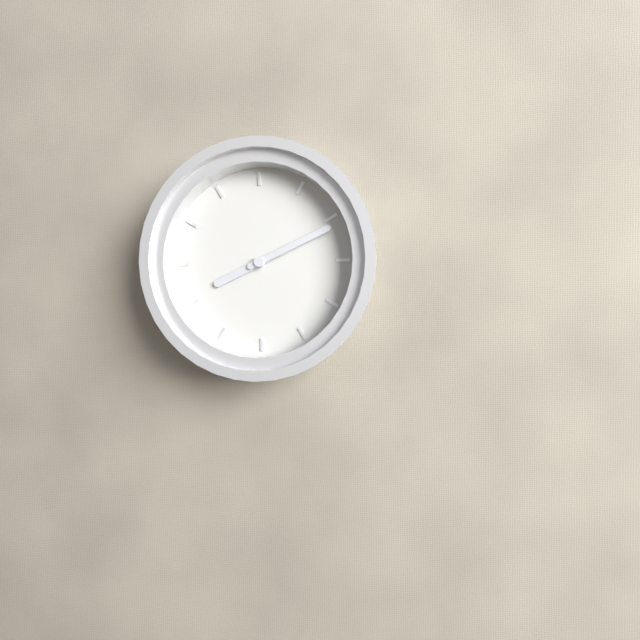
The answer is h=8 m=11
